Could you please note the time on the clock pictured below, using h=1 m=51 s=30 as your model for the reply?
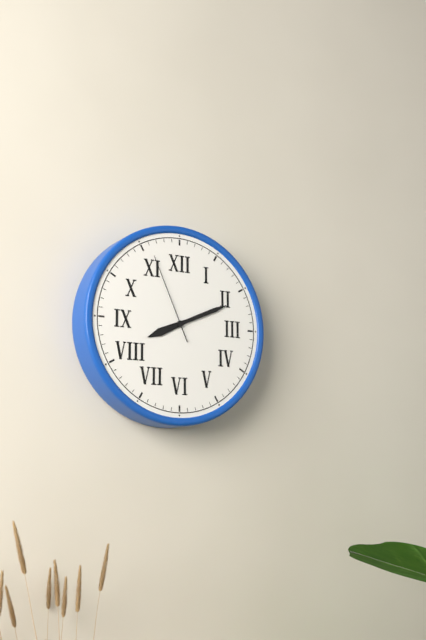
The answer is h=8 m=11 s=56
